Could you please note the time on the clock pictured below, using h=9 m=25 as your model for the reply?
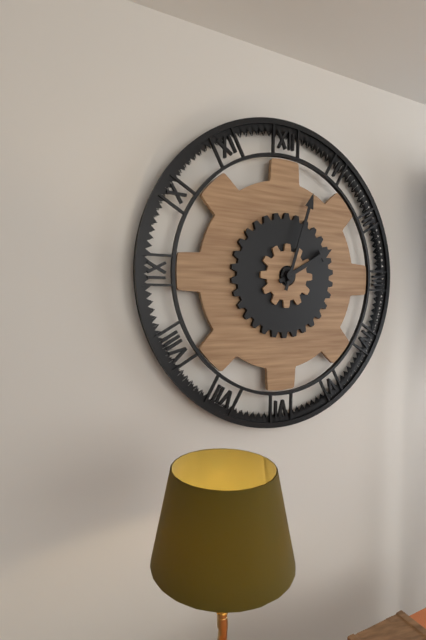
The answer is h=2 m=3
